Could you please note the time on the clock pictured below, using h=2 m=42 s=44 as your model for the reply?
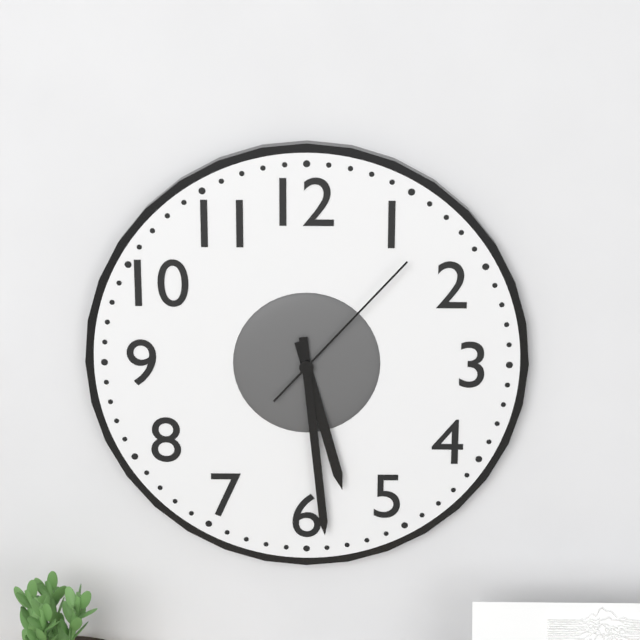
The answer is h=5 m=29 s=7
